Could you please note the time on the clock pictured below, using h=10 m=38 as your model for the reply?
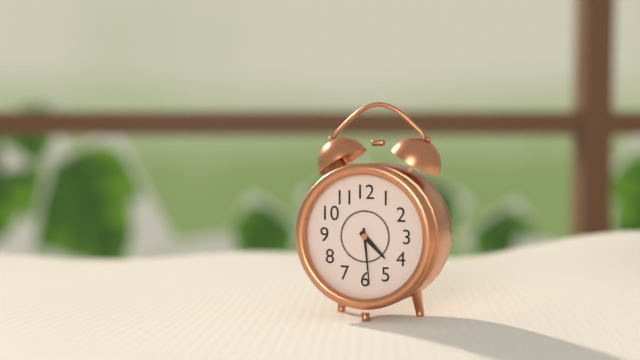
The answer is h=4 m=29
